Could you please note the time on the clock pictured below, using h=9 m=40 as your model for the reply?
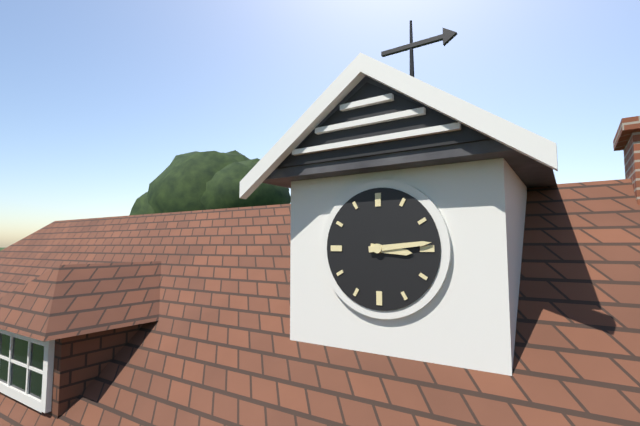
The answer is h=3 m=14
